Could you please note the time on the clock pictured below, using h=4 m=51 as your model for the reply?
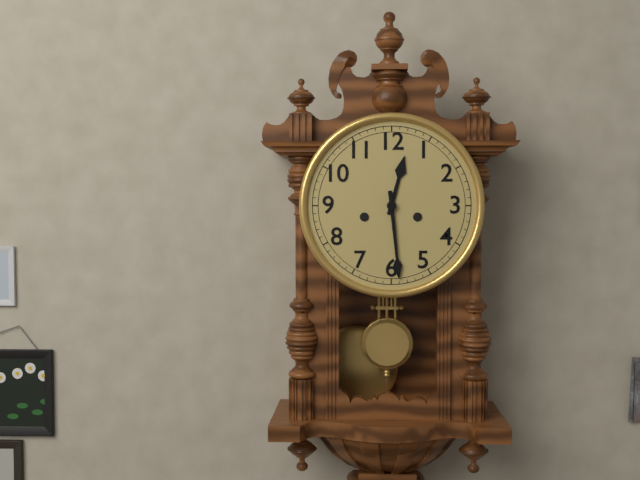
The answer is h=12 m=29
